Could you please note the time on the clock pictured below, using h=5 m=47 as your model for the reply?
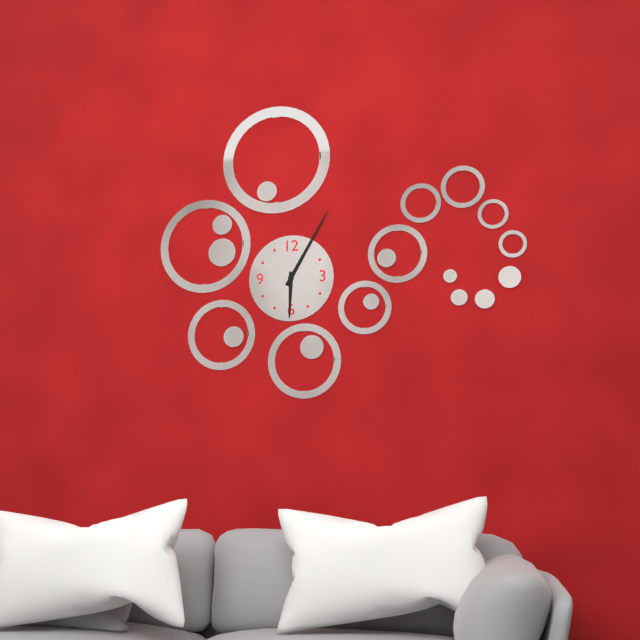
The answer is h=6 m=5
